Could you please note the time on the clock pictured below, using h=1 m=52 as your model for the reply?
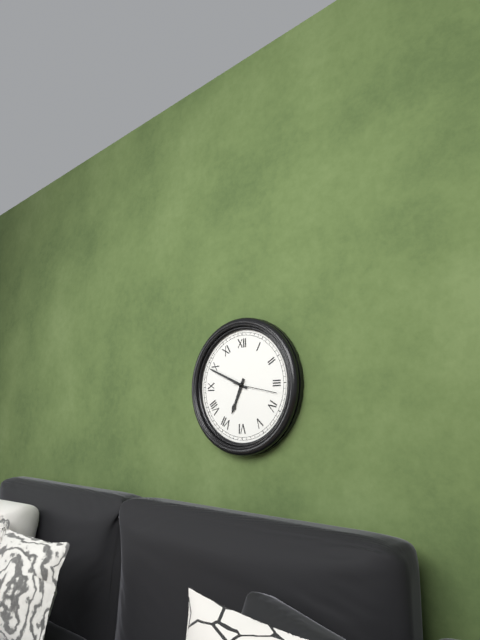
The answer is h=6 m=49
